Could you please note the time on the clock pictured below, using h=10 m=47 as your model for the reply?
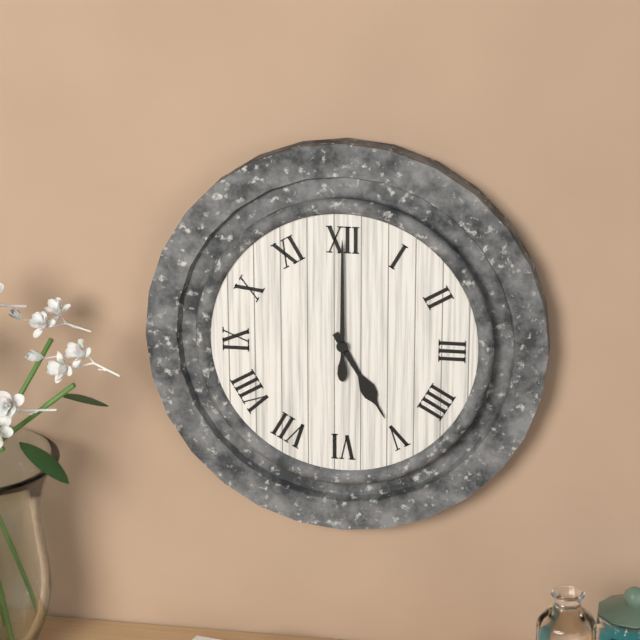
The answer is h=5 m=0
